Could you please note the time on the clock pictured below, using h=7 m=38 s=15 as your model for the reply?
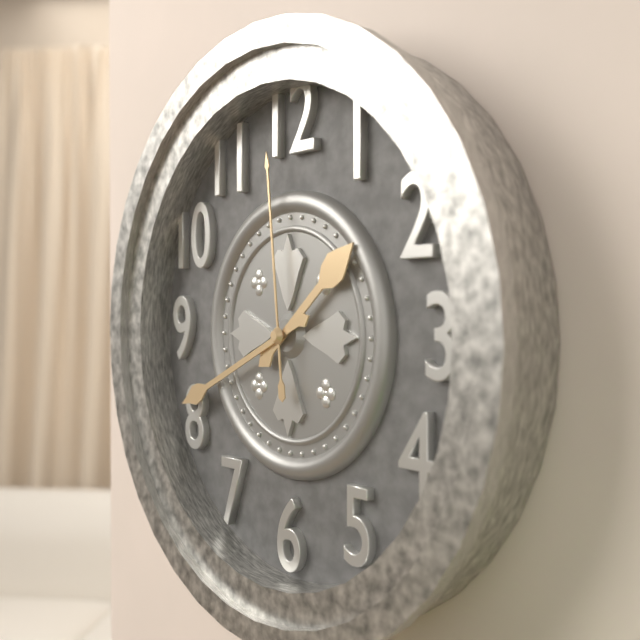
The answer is h=1 m=41 s=59
